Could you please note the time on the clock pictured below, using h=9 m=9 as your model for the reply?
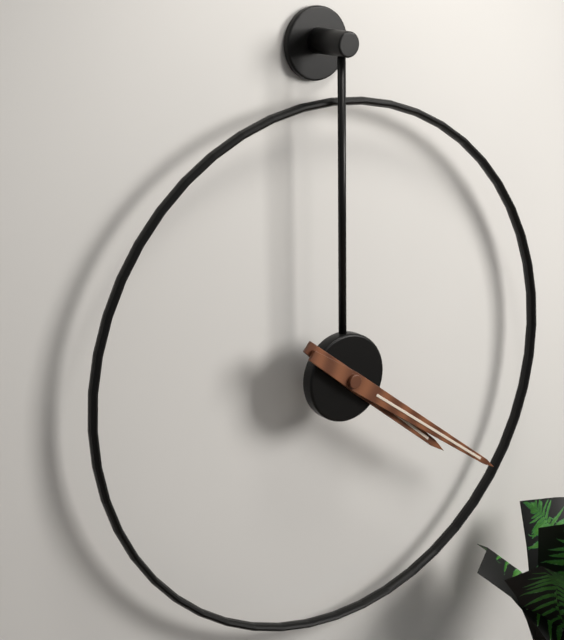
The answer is h=4 m=21
